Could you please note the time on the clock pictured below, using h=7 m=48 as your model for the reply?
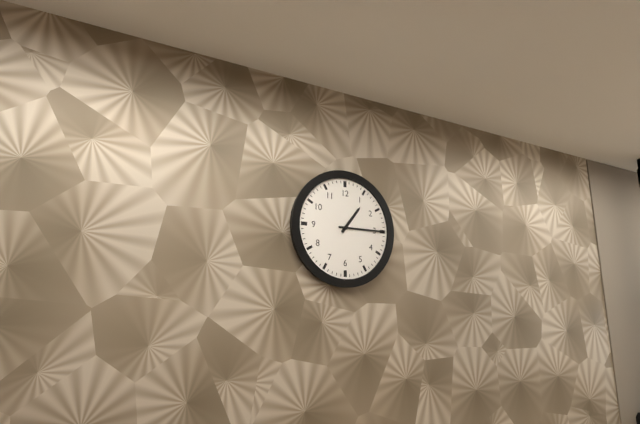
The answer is h=1 m=15
